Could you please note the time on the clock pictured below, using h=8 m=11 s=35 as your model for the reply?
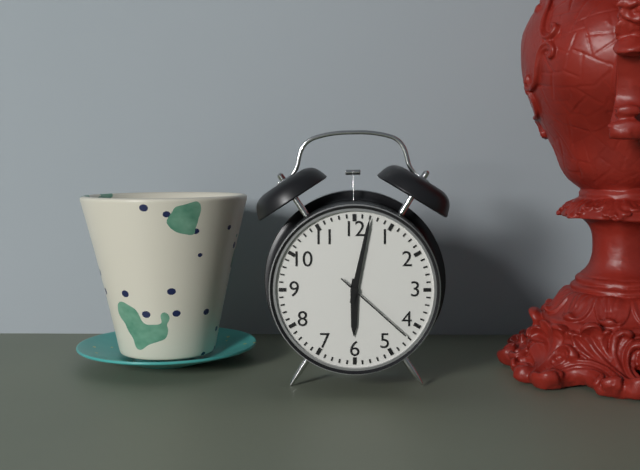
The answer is h=6 m=2 s=22
